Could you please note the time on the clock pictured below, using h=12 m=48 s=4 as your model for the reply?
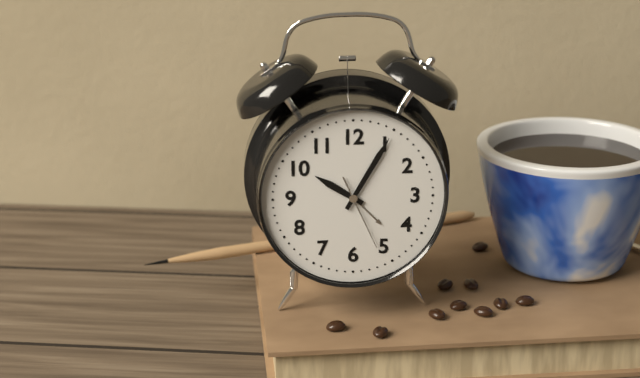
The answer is h=10 m=5 s=26
